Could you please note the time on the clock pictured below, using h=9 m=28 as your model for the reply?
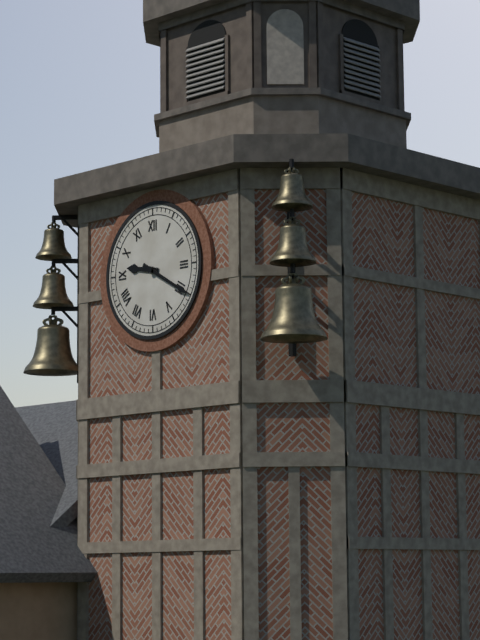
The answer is h=9 m=20
